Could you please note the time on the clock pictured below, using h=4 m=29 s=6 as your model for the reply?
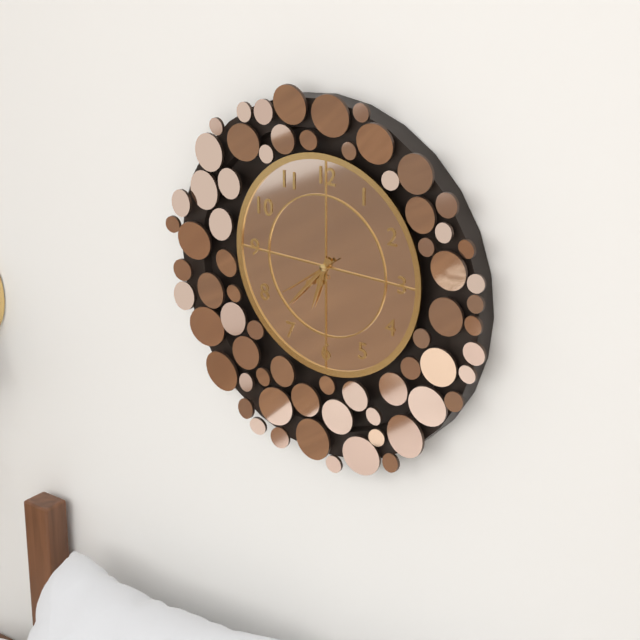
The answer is h=6 m=37 s=39
